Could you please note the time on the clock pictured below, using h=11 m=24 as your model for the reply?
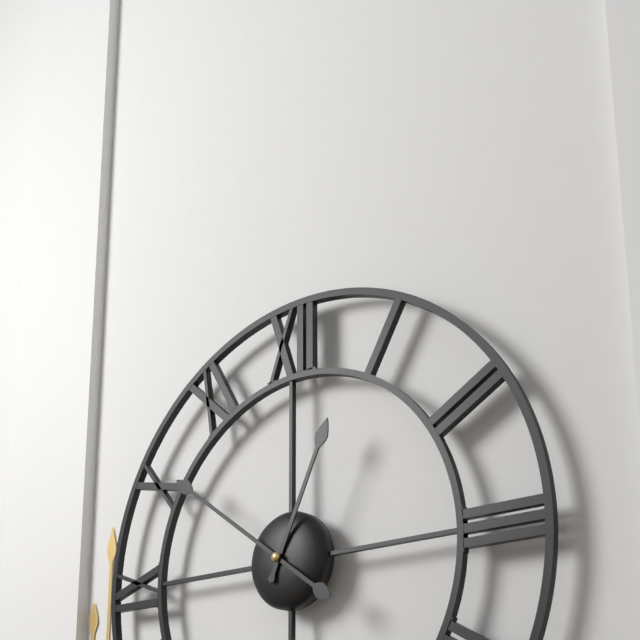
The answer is h=12 m=51
